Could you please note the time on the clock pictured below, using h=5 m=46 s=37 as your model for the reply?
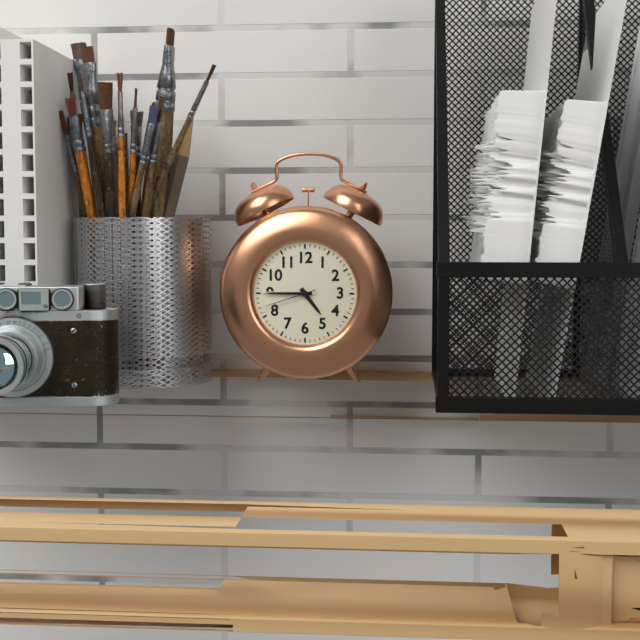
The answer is h=4 m=45 s=42
